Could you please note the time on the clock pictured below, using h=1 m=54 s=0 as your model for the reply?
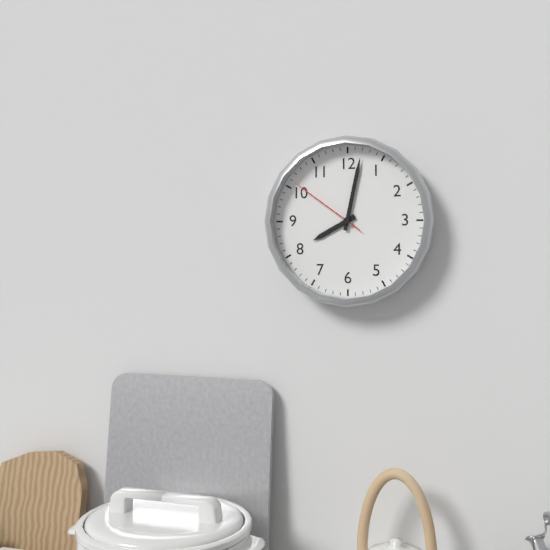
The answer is h=8 m=2 s=51
